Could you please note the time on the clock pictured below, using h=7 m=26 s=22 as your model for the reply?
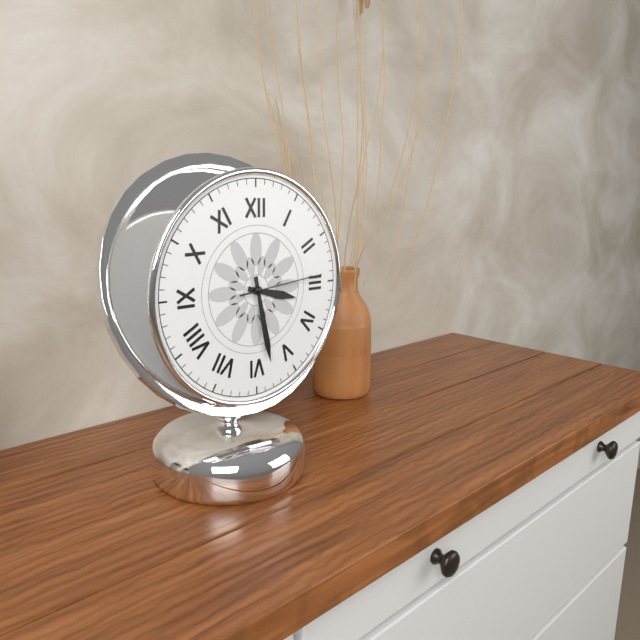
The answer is h=3 m=28 s=14
